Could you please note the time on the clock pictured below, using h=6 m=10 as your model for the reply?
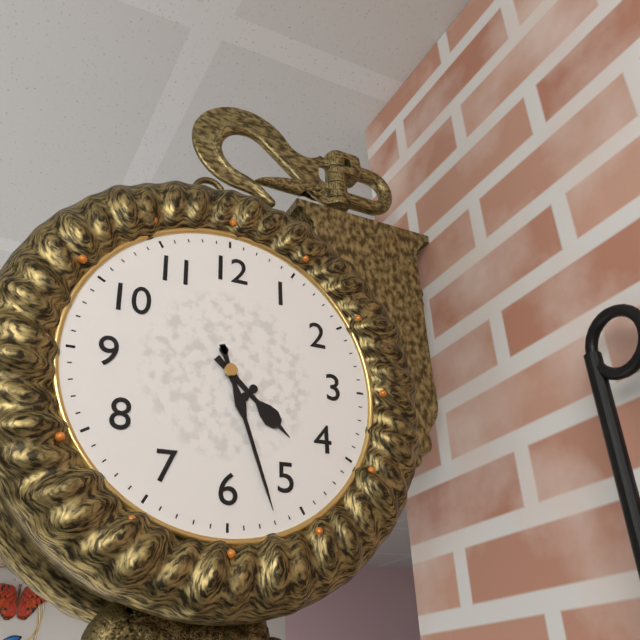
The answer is h=4 m=27
